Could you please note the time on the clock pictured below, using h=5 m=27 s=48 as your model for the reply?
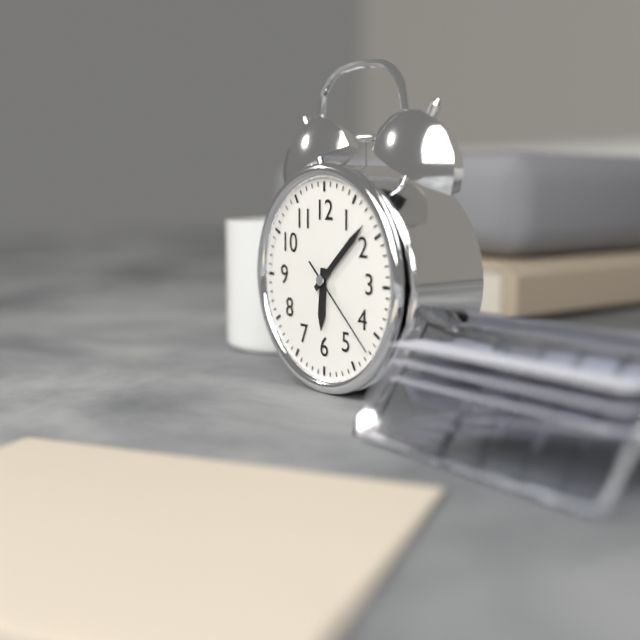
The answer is h=6 m=8 s=22
